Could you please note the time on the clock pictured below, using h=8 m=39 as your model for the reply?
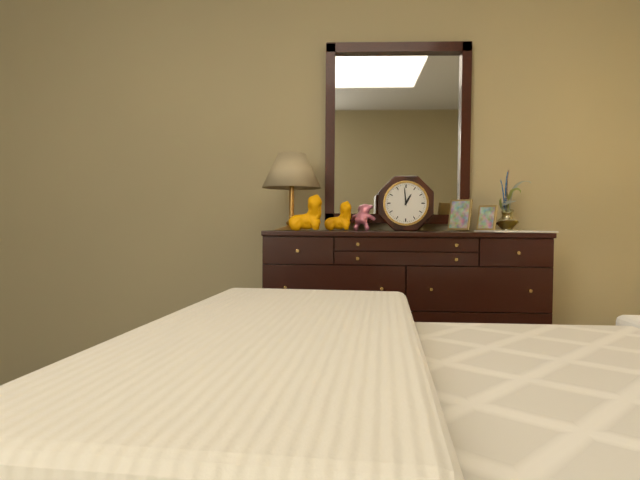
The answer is h=12 m=59
